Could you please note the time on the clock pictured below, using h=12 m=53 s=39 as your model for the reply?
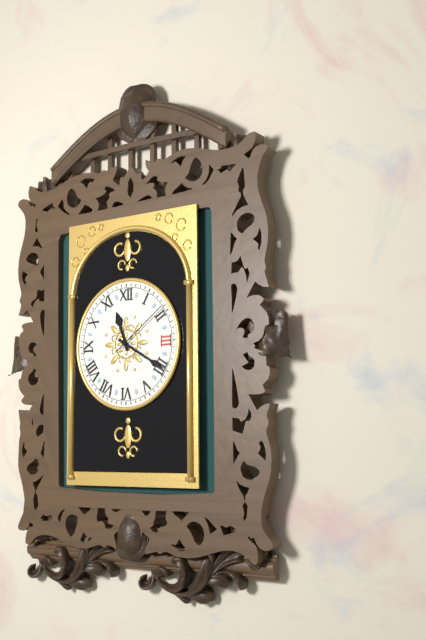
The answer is h=11 m=20 s=9
